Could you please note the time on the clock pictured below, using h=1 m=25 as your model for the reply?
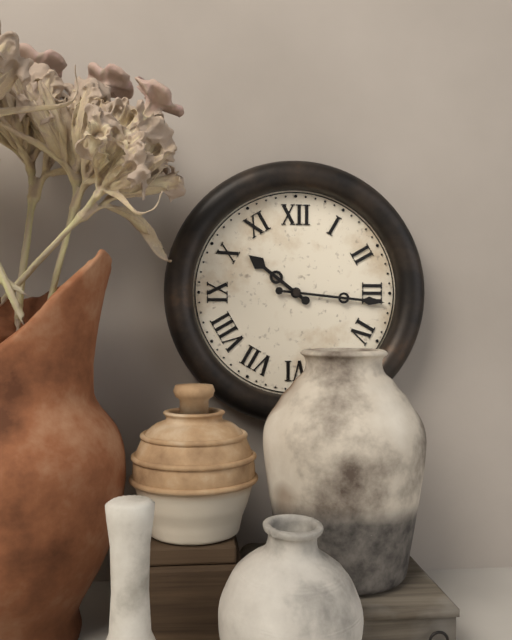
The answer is h=10 m=16
